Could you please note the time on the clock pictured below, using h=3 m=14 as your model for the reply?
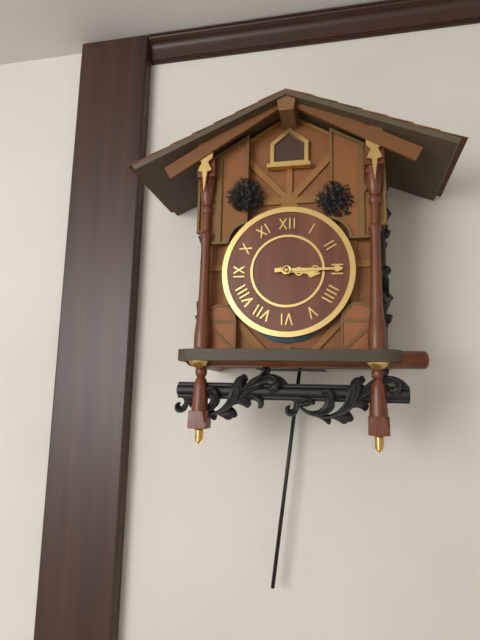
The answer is h=3 m=15
